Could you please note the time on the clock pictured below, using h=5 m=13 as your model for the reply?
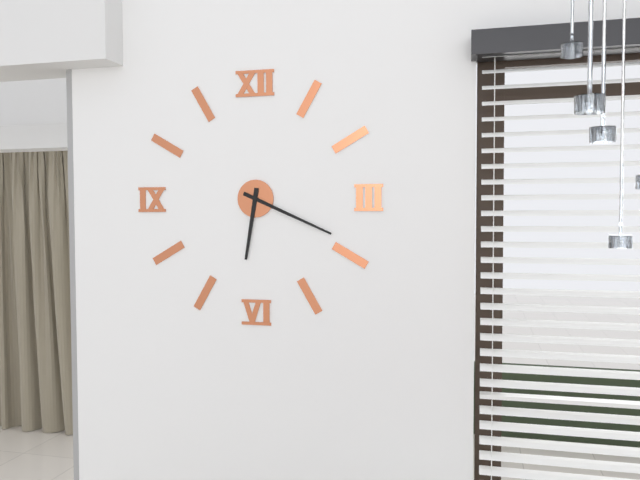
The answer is h=6 m=19
